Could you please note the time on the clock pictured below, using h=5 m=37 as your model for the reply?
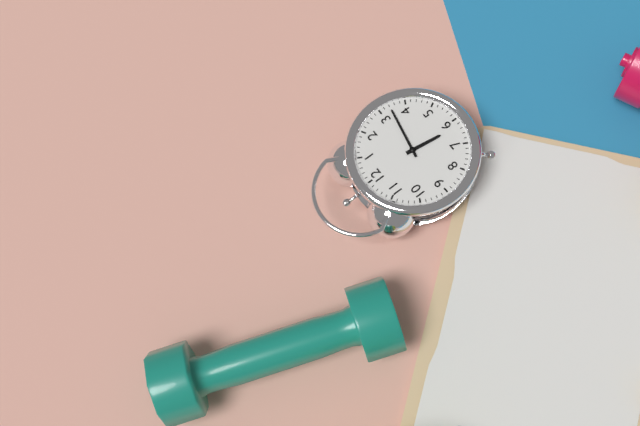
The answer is h=6 m=17
